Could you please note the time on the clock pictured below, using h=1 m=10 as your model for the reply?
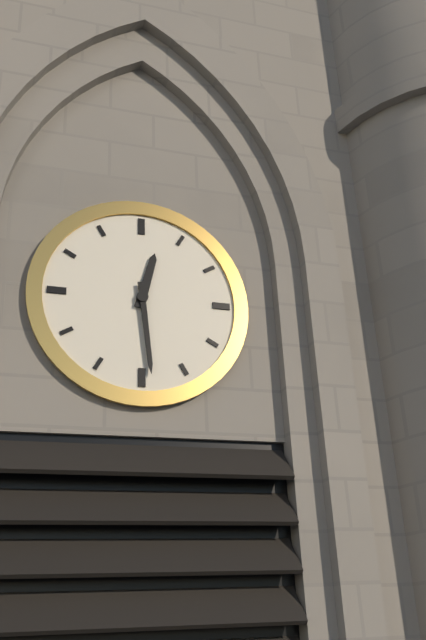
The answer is h=12 m=29
